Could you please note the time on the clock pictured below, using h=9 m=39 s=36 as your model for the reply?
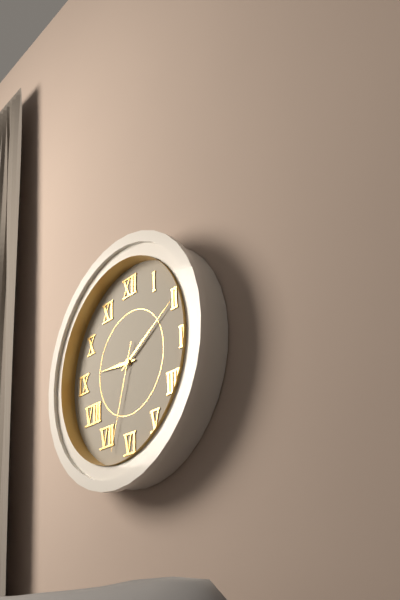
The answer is h=9 m=10 s=33
